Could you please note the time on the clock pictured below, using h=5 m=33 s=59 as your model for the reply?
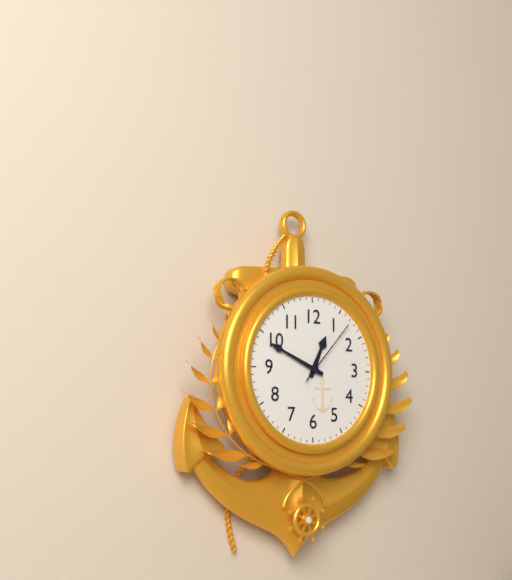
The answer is h=12 m=49 s=7
